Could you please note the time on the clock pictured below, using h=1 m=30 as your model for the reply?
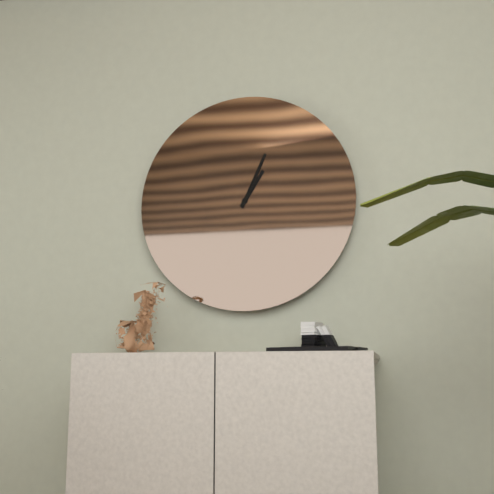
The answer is h=1 m=4
